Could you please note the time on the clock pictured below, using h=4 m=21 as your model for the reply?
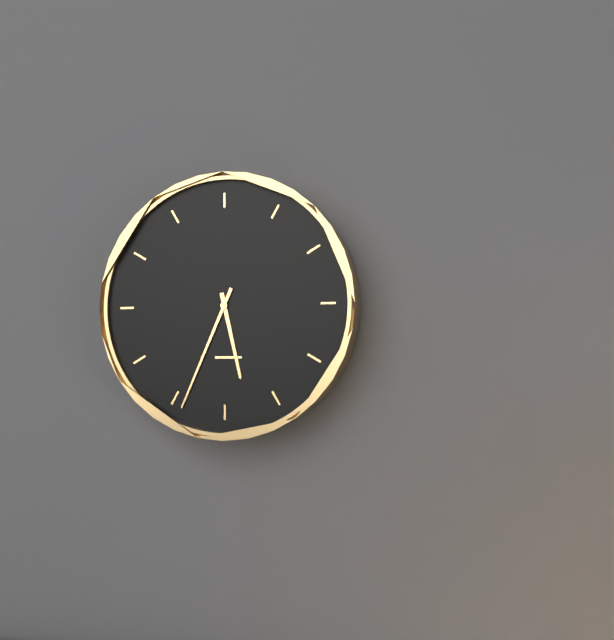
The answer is h=5 m=34
